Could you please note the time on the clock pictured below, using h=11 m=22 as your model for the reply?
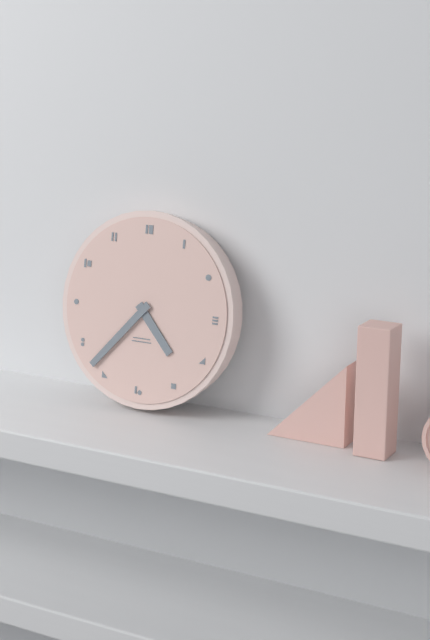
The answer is h=4 m=37
